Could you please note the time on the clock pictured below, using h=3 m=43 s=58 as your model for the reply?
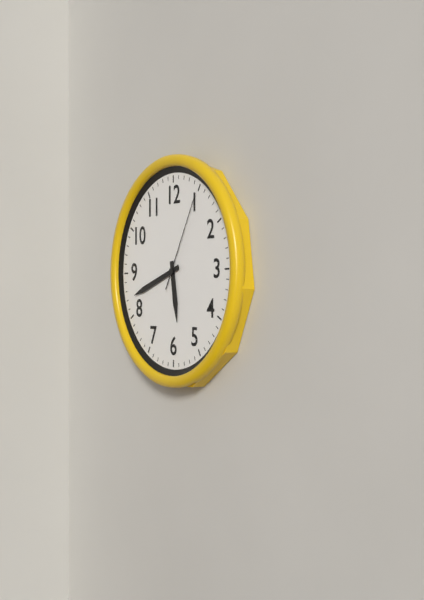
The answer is h=5 m=42 s=5
